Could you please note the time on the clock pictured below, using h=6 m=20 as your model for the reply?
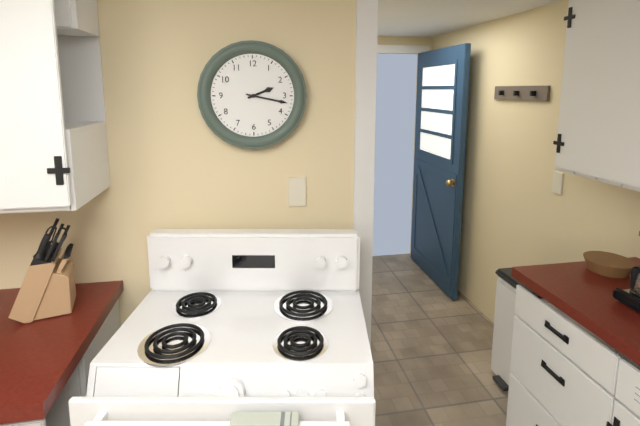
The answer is h=2 m=17
